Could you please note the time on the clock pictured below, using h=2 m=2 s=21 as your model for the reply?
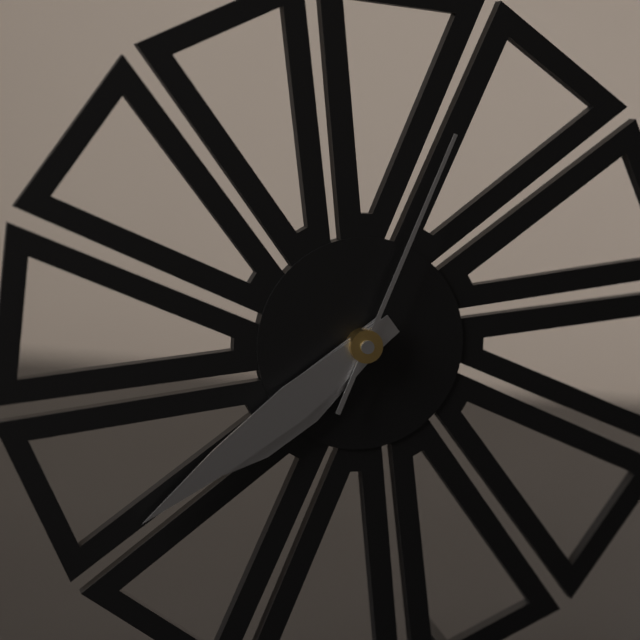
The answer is h=7 m=39 s=4
